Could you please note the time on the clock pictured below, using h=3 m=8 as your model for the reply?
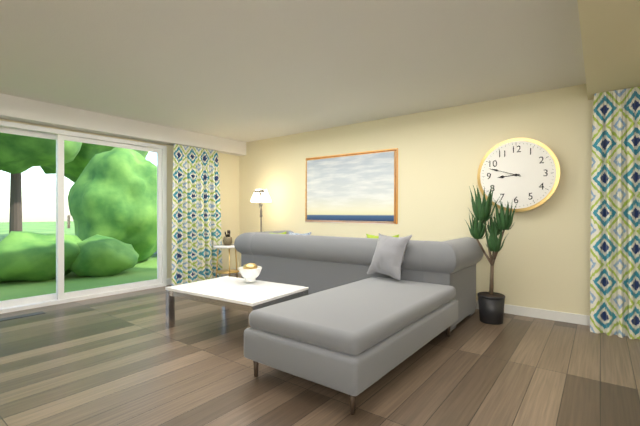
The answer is h=8 m=48
